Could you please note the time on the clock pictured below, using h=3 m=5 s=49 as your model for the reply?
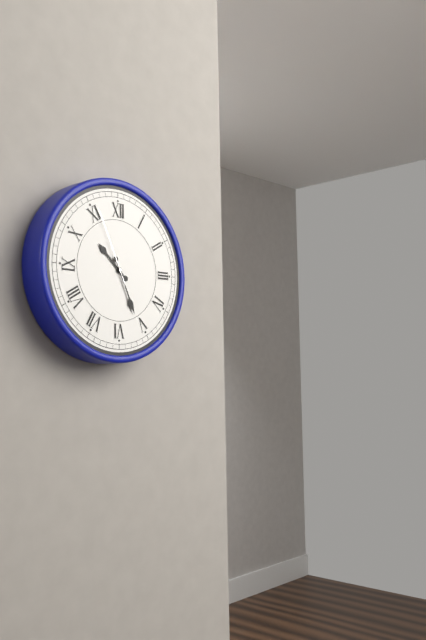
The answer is h=10 m=26 s=56
